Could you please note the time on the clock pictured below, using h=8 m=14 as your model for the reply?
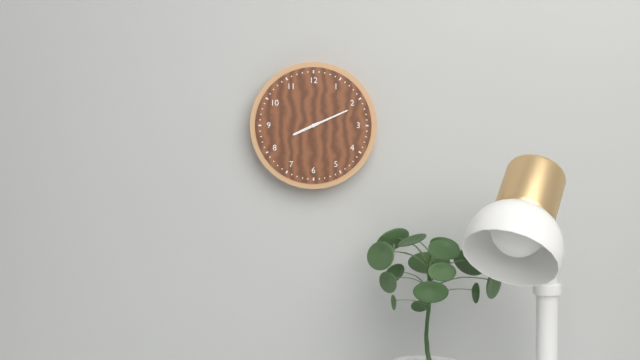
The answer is h=8 m=11
